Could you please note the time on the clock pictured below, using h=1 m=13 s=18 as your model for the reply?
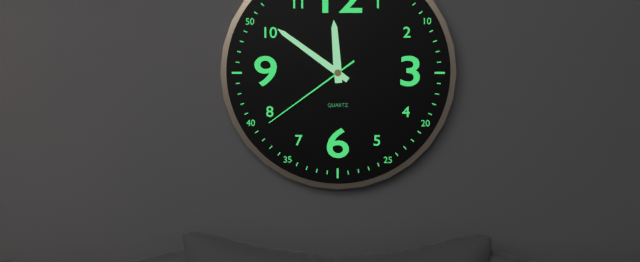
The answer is h=11 m=51 s=39
